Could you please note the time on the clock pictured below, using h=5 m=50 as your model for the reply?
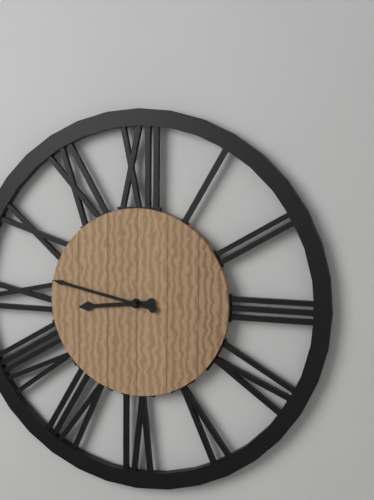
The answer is h=8 m=47
